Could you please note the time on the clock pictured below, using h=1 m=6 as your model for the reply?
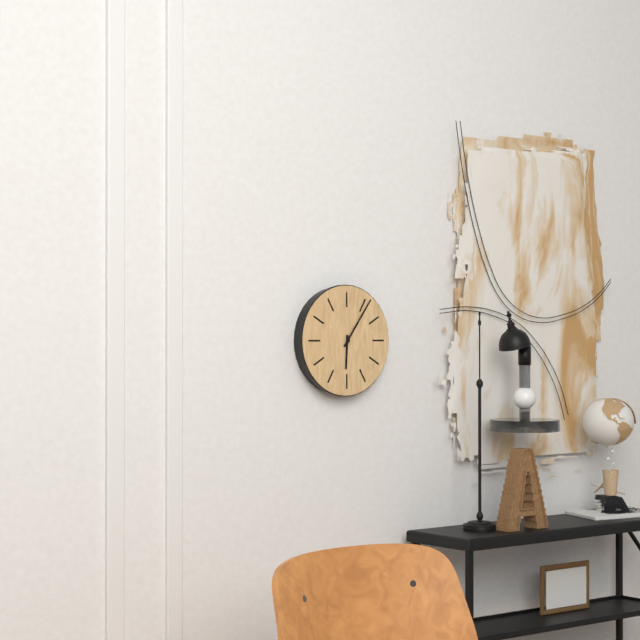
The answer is h=6 m=6
